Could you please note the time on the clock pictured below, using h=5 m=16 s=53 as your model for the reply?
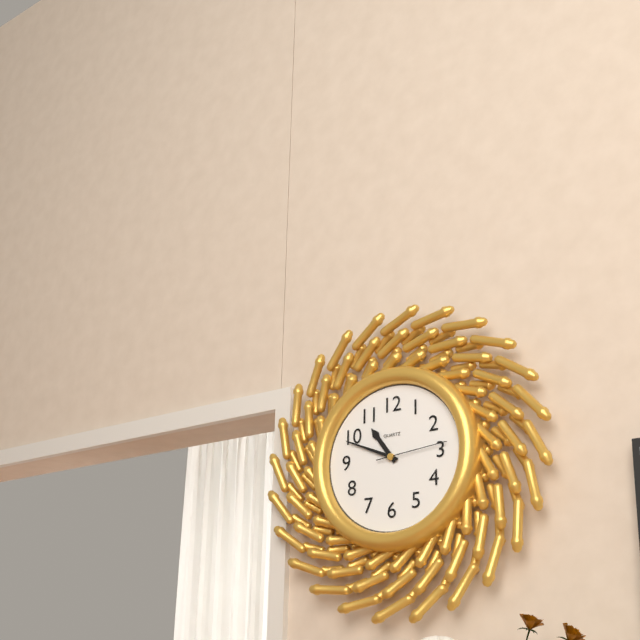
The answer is h=10 m=49 s=14
